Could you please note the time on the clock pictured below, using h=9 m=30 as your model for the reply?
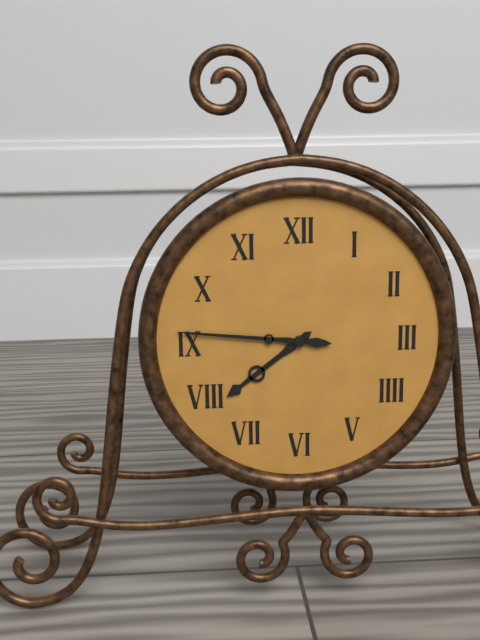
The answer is h=7 m=46
